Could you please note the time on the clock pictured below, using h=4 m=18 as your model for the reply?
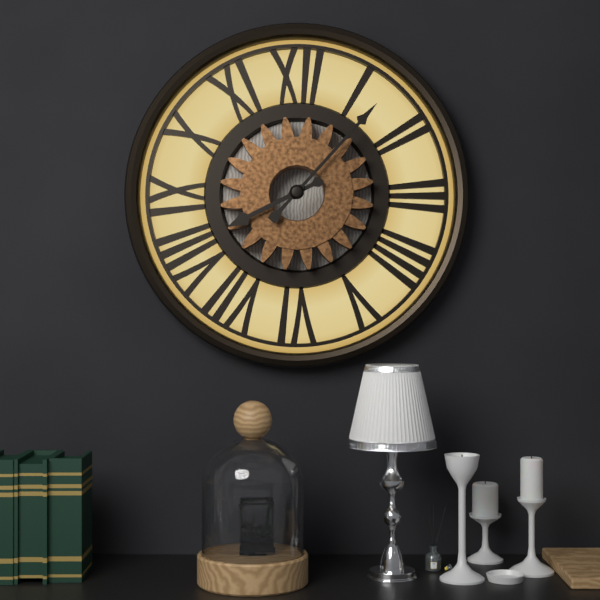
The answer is h=8 m=7
